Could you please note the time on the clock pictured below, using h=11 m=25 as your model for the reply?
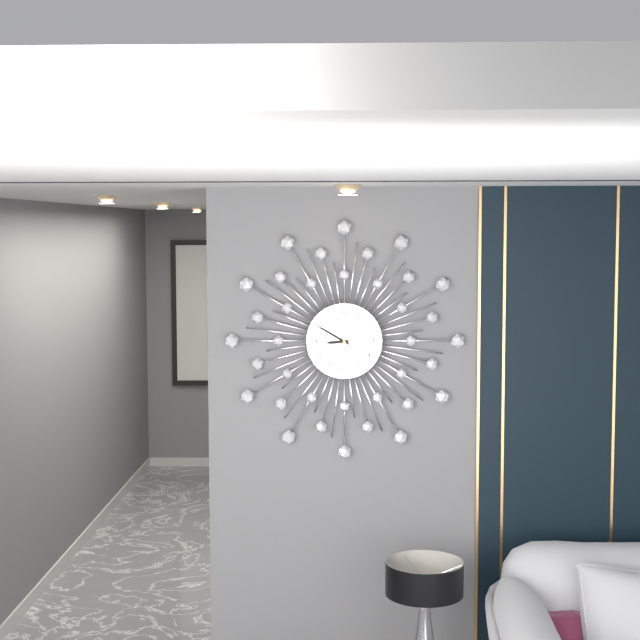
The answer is h=8 m=50
